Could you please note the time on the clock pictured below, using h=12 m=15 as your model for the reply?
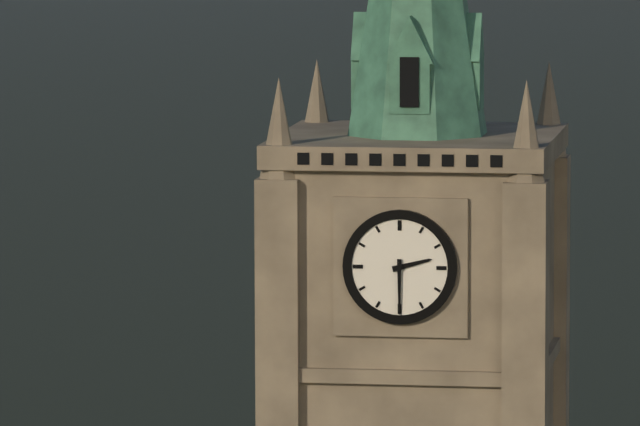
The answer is h=2 m=30
